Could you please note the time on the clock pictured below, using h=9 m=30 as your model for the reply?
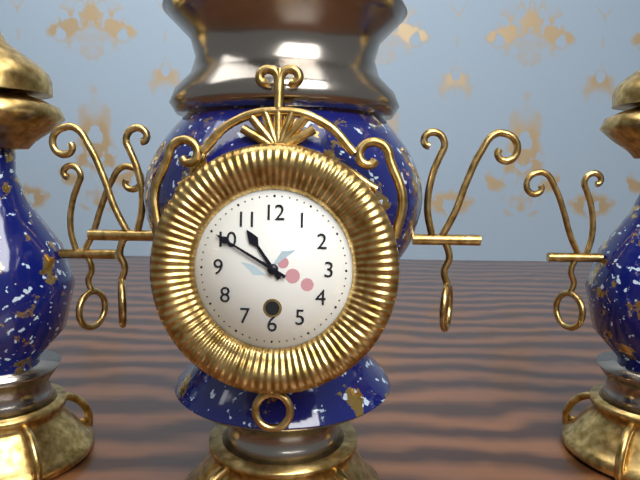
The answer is h=10 m=50
